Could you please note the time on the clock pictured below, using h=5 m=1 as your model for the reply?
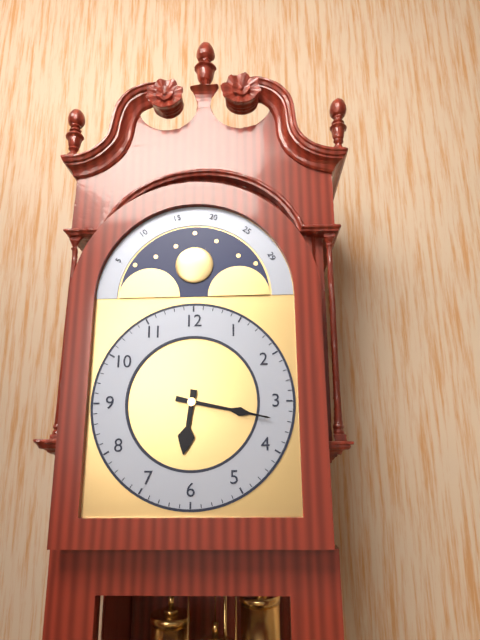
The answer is h=6 m=17
